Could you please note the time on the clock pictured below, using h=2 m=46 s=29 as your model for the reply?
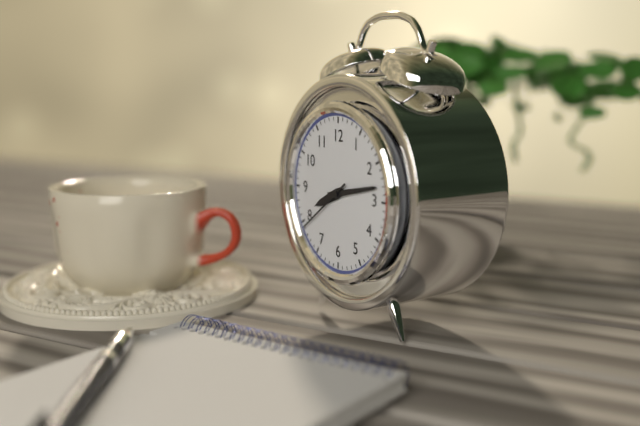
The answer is h=8 m=13 s=39
